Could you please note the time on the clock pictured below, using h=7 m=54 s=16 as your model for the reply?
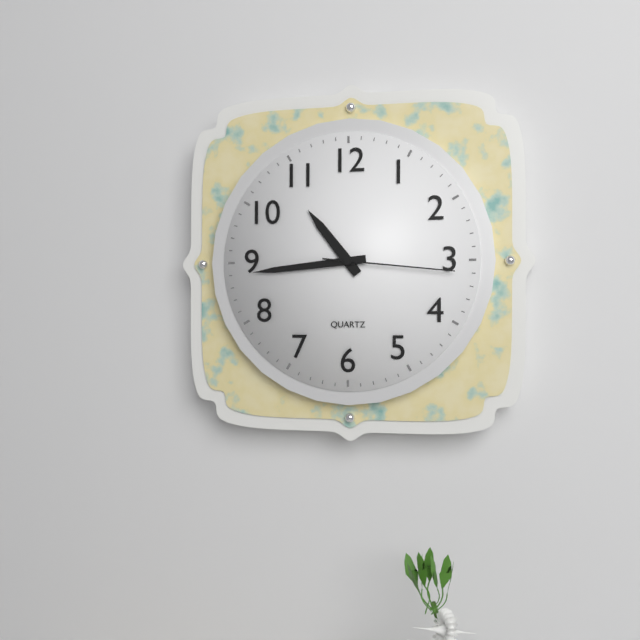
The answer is h=10 m=44 s=16
